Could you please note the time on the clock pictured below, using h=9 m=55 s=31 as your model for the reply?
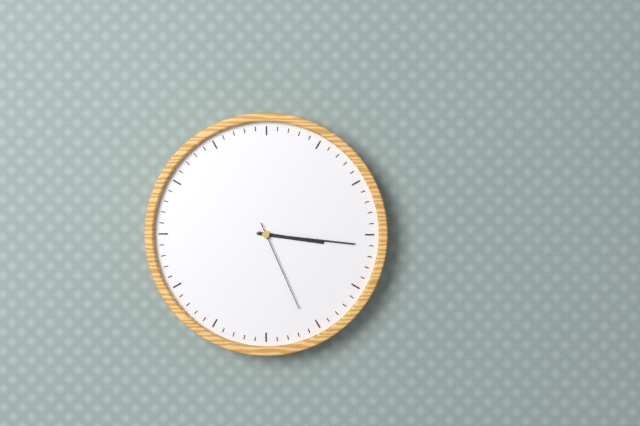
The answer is h=3 m=16 s=26
